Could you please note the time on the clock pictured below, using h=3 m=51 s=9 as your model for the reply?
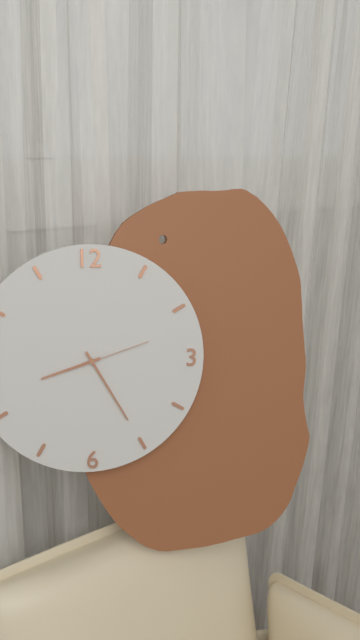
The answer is h=8 m=25 s=12
